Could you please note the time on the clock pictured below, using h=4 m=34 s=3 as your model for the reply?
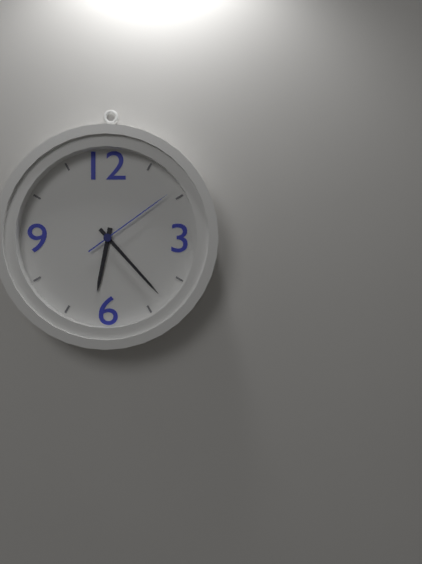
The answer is h=6 m=23 s=9
